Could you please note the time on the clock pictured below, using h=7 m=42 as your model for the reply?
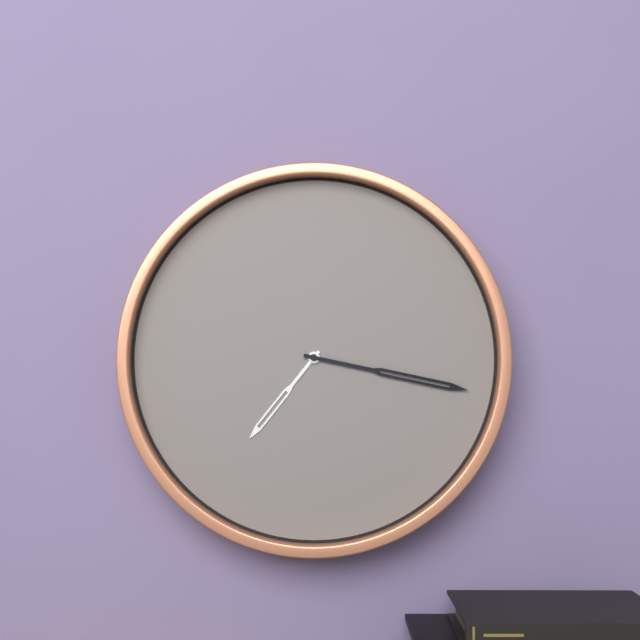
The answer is h=7 m=17
